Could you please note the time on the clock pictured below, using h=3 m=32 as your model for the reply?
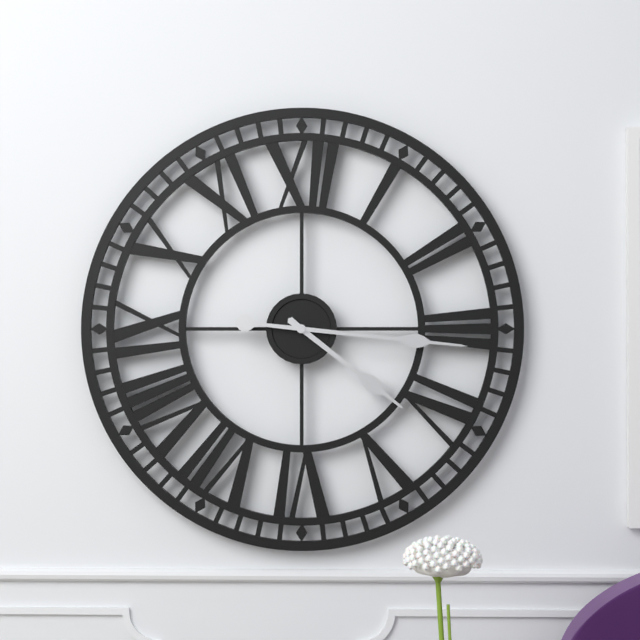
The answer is h=4 m=16
